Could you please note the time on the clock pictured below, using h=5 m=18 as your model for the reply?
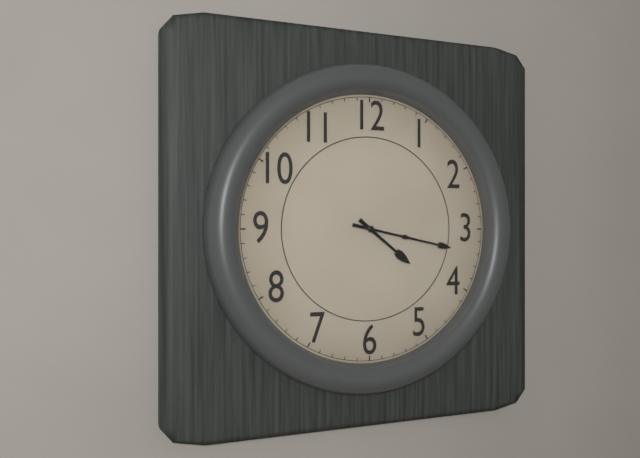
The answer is h=4 m=17
